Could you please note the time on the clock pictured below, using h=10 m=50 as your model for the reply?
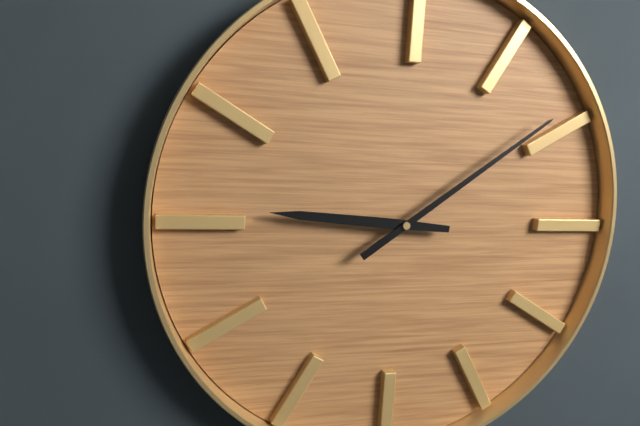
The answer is h=9 m=9
